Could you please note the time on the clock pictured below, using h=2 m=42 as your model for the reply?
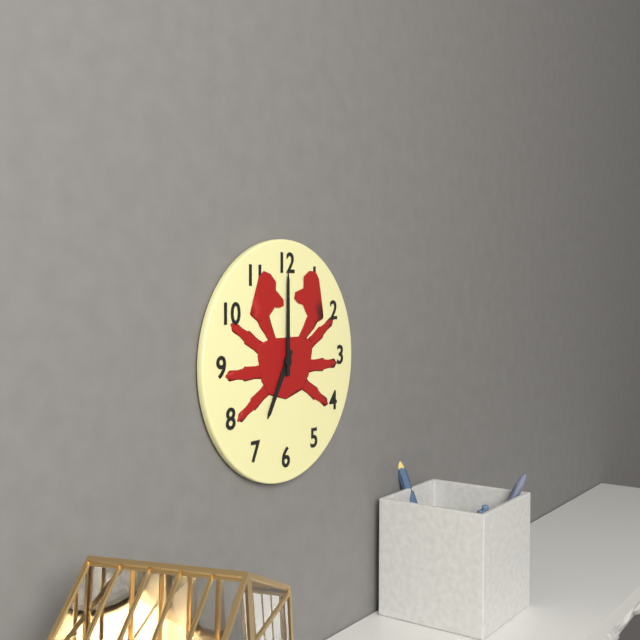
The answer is h=7 m=0
